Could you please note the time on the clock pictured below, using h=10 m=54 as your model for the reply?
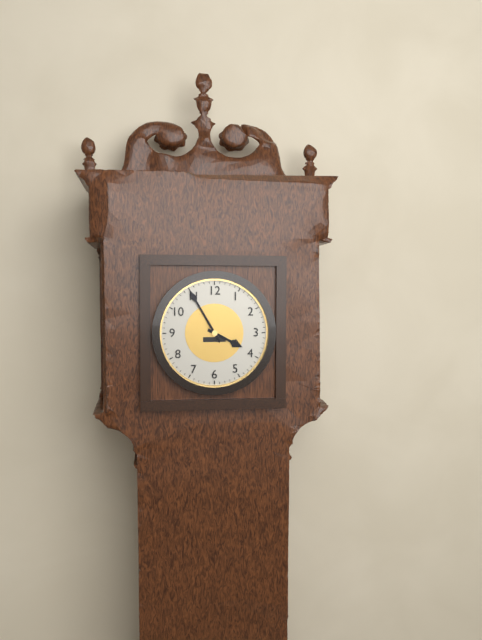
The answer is h=3 m=55
